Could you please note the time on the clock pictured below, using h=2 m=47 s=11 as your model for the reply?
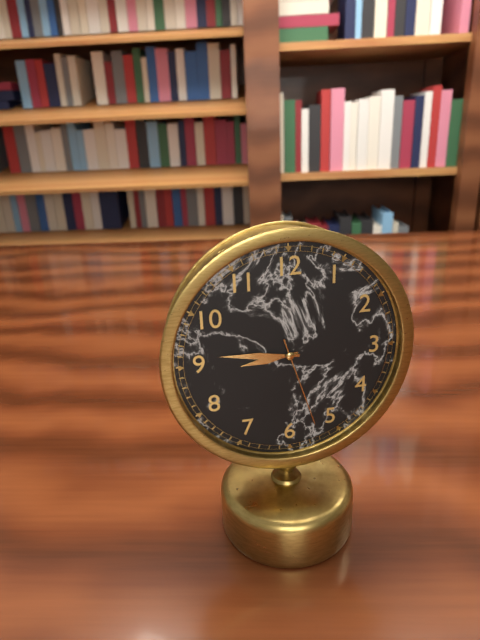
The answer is h=8 m=46 s=27
